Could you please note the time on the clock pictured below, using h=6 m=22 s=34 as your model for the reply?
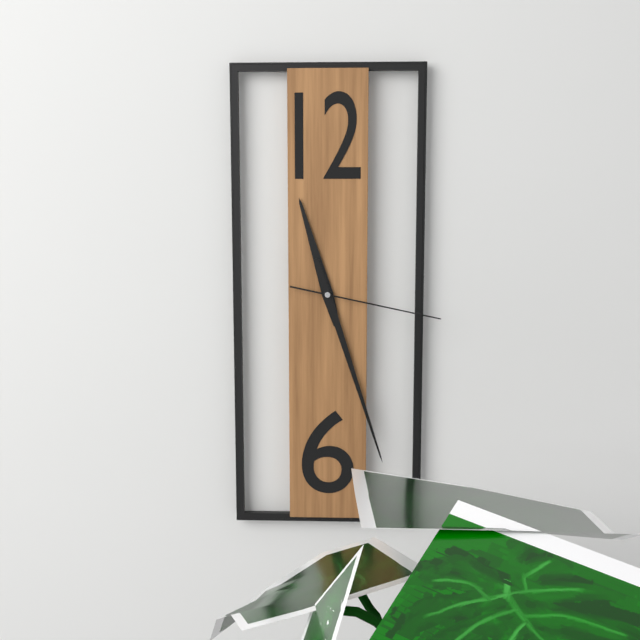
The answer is h=11 m=27 s=17
